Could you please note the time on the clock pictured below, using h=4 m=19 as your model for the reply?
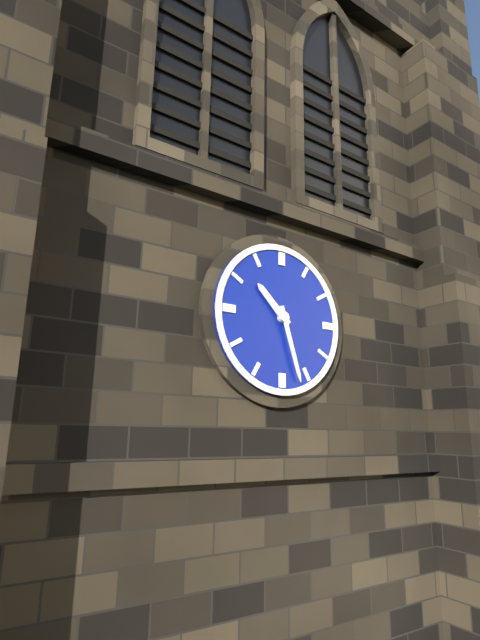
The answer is h=10 m=27
